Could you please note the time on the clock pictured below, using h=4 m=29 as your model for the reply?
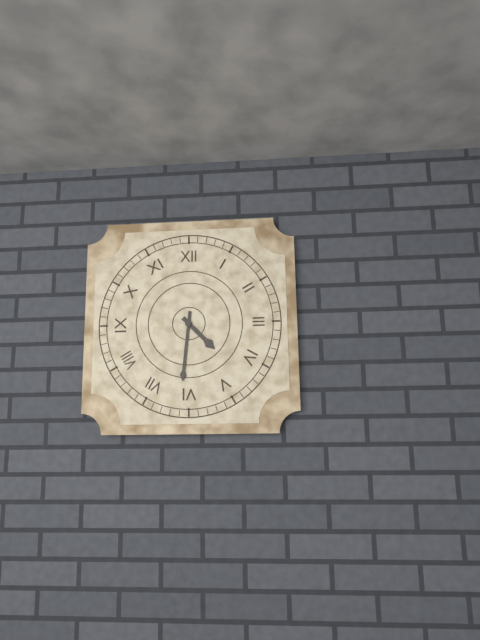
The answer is h=4 m=31
